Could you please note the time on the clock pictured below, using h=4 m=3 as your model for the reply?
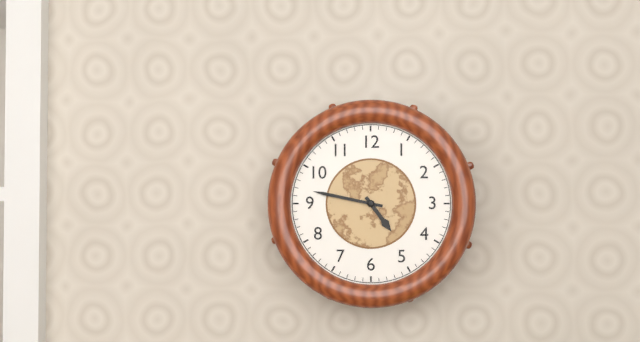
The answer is h=4 m=47
